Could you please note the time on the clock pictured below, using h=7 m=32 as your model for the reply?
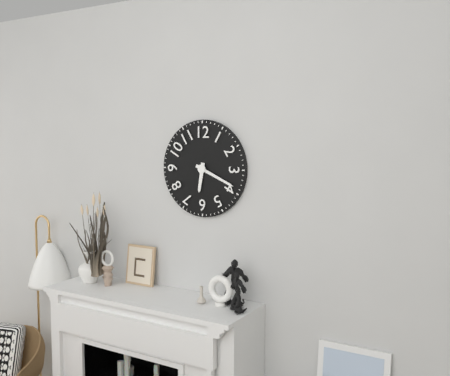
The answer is h=6 m=19
